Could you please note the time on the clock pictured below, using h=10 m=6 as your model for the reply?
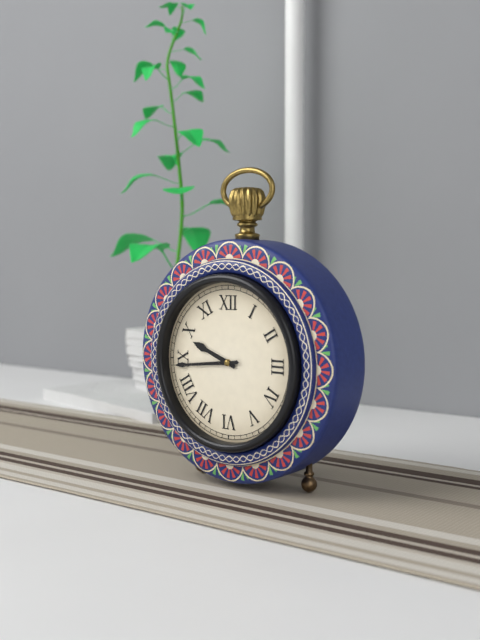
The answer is h=9 m=44
